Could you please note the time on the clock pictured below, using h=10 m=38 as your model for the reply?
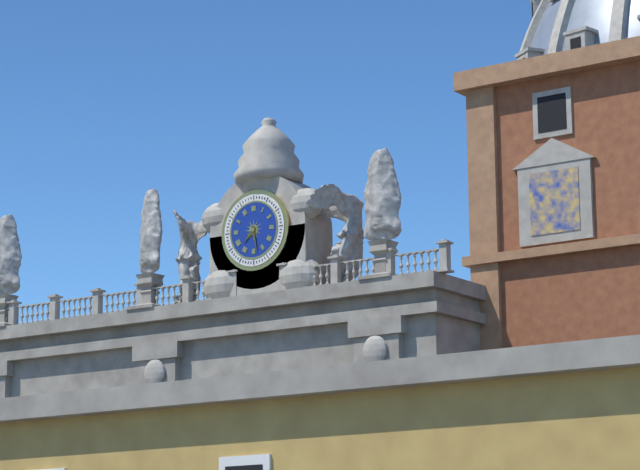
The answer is h=7 m=28
